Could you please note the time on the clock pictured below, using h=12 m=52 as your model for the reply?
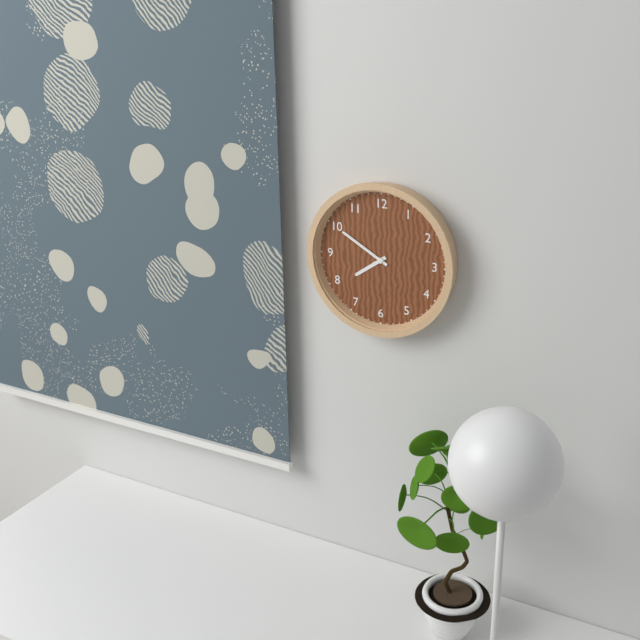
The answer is h=7 m=50
